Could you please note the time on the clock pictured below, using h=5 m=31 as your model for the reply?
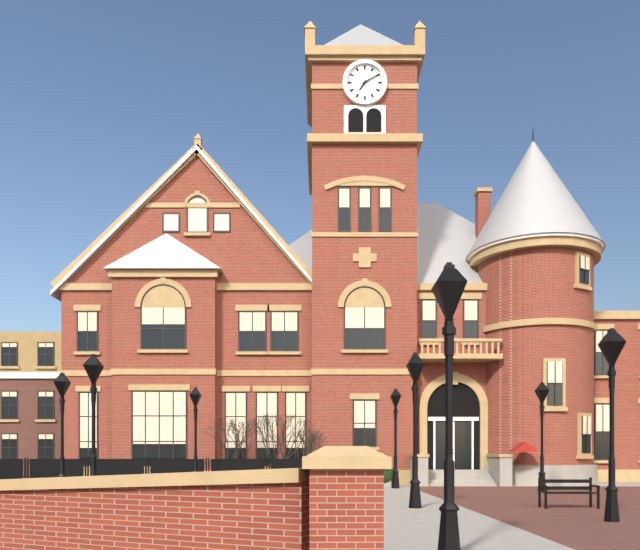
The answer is h=7 m=10
